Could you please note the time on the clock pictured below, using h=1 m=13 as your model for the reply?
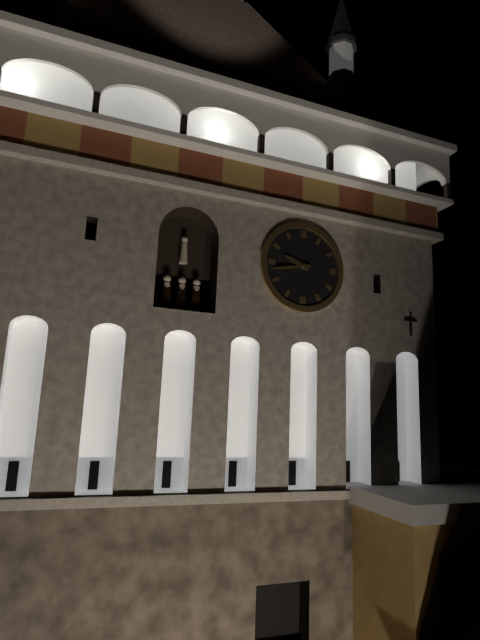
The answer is h=9 m=43
